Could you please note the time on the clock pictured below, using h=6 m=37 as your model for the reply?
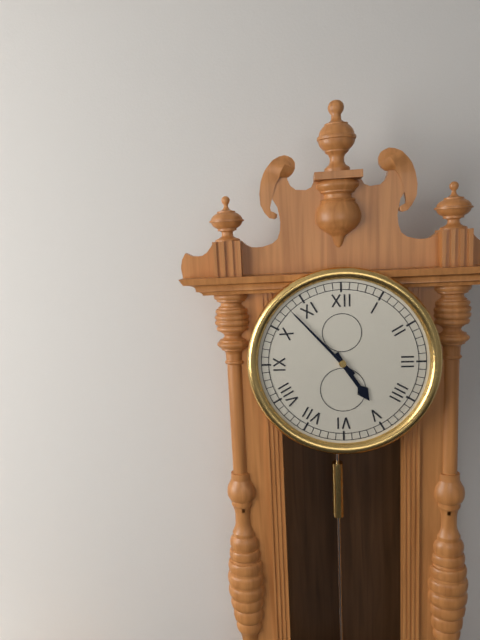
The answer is h=4 m=53
